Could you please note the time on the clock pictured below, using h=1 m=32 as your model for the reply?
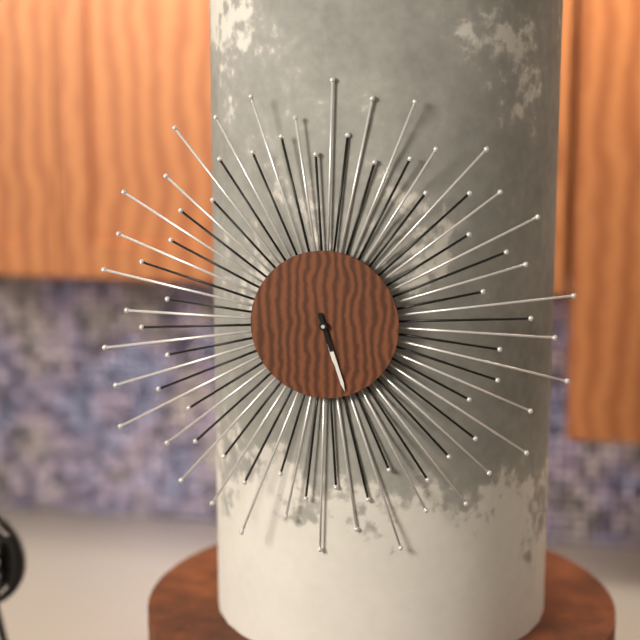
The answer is h=5 m=27
